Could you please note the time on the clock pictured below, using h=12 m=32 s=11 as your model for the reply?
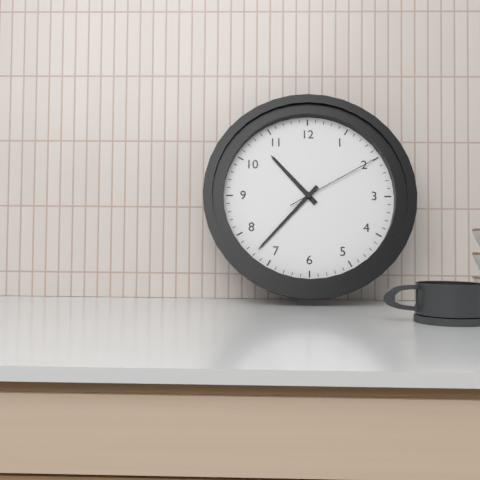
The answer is h=10 m=37 s=10
